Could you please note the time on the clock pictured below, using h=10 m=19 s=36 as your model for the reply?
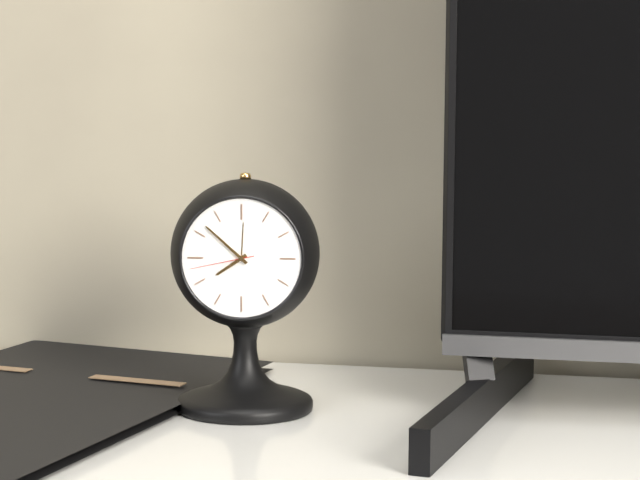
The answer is h=7 m=52 s=43
